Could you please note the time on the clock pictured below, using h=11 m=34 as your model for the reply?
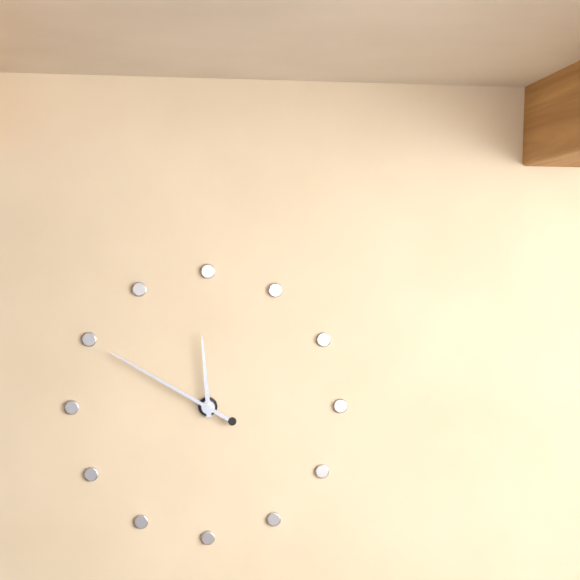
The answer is h=11 m=50
